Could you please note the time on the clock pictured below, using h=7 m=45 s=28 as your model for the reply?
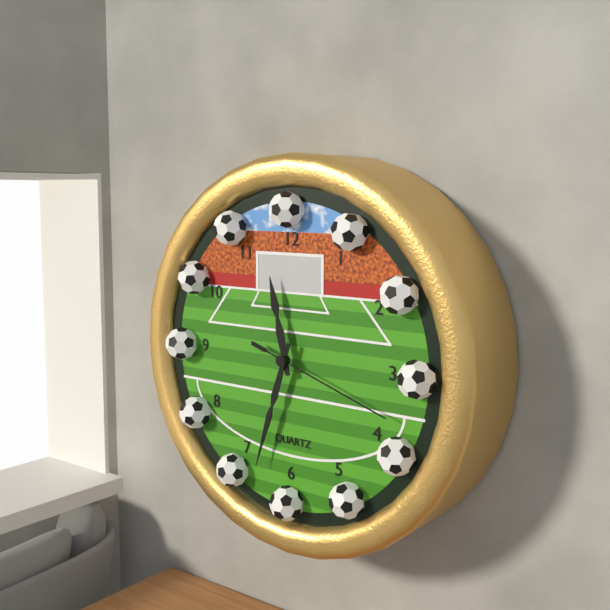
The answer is h=11 m=33 s=18
